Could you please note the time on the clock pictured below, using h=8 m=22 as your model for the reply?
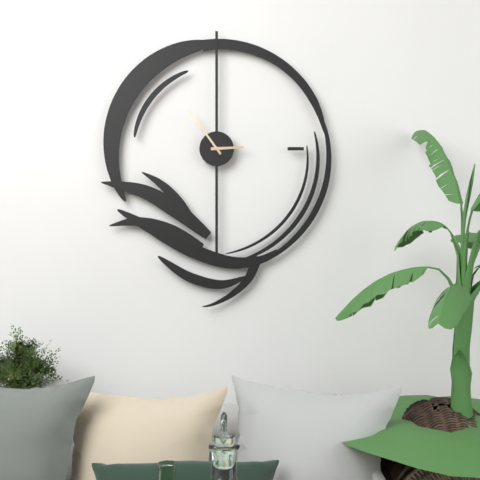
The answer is h=2 m=54
